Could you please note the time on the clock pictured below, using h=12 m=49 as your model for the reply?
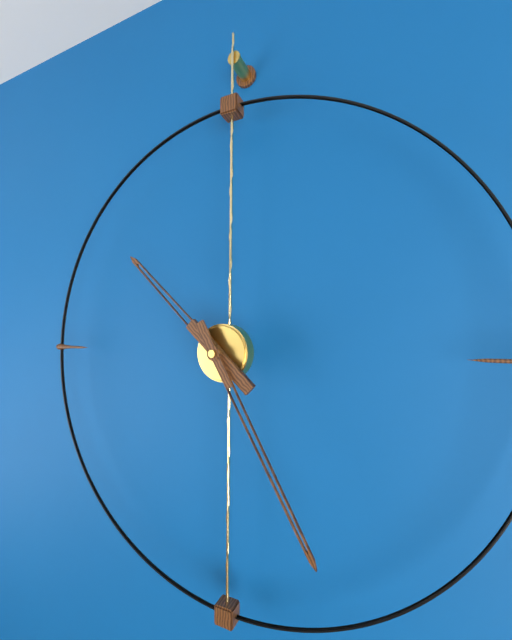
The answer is h=10 m=25
